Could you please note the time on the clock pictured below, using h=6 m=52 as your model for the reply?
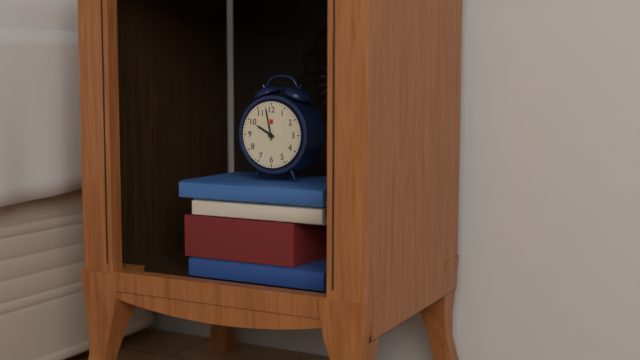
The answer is h=9 m=58
